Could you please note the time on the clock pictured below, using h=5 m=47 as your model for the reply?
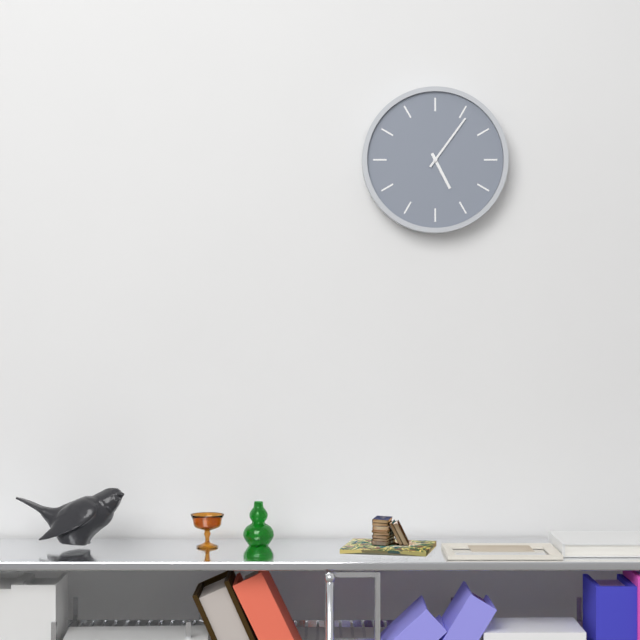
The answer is h=5 m=6
